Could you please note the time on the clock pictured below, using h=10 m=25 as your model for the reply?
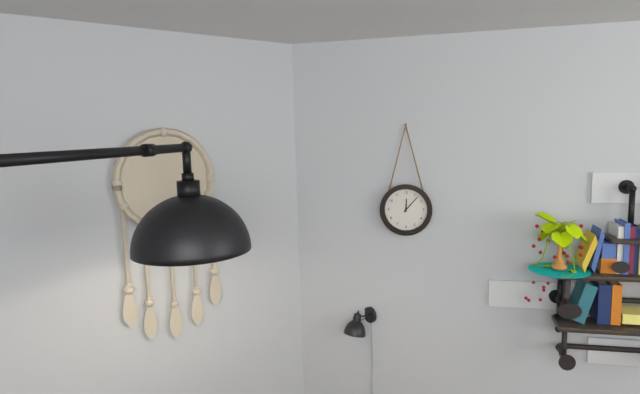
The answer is h=12 m=7
